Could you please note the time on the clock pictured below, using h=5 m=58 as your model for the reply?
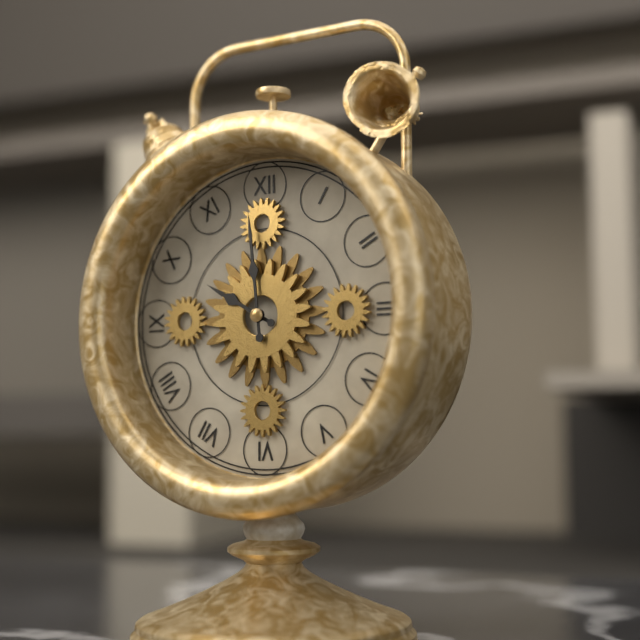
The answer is h=9 m=59
